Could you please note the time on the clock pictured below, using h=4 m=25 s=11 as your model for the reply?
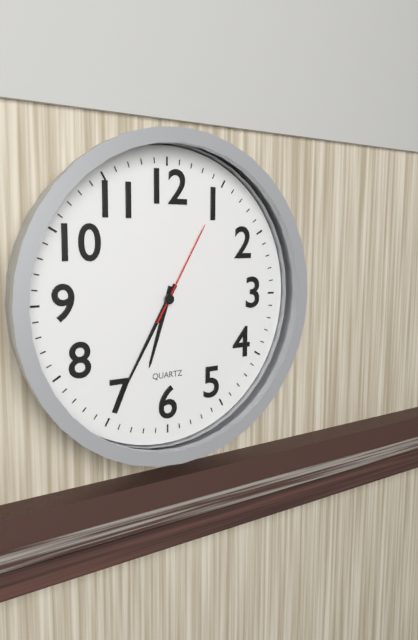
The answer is h=6 m=35 s=5
